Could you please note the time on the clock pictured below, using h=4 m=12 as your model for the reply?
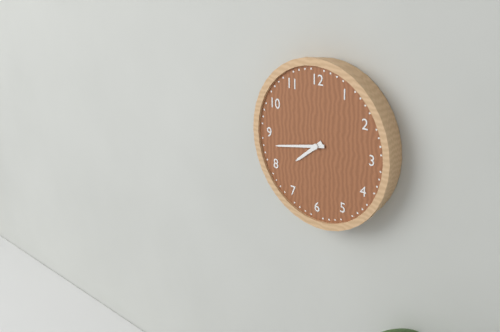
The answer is h=7 m=43
